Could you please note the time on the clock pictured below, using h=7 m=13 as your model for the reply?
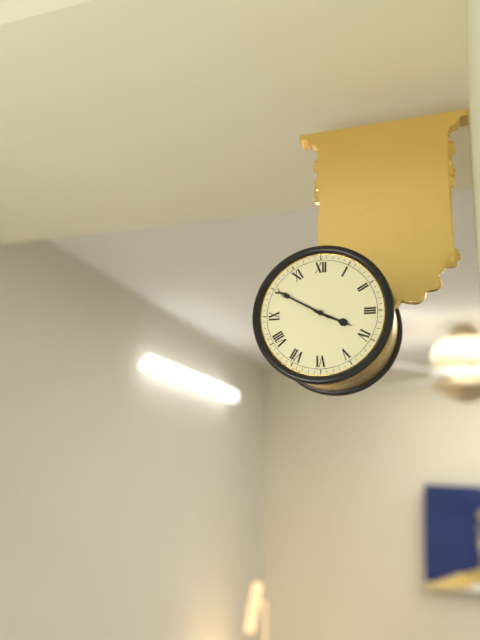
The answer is h=3 m=50
